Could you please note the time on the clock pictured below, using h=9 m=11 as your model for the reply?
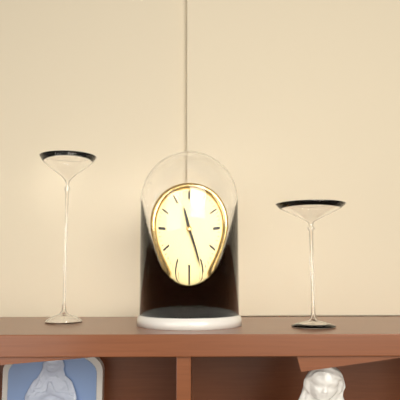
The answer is h=11 m=26
